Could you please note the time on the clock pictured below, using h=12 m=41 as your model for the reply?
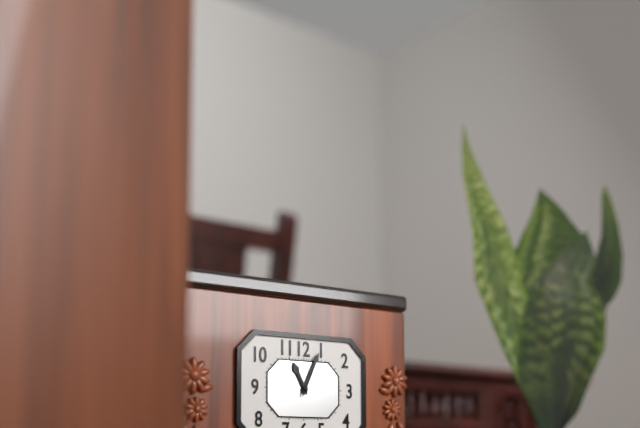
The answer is h=11 m=4
